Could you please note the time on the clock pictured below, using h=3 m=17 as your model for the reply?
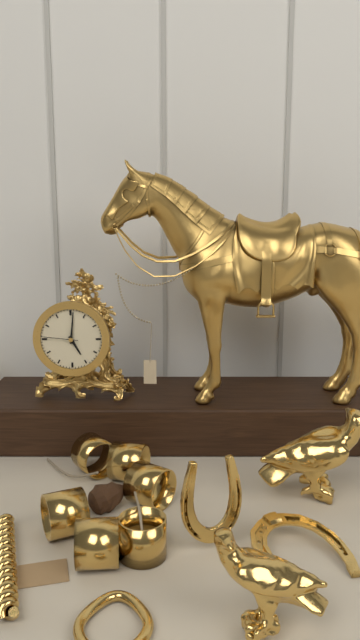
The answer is h=5 m=1
